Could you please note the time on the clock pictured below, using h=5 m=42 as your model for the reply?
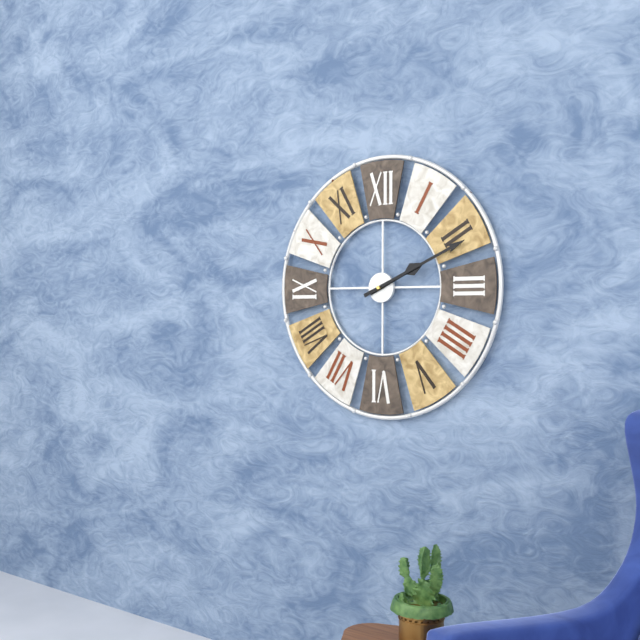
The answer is h=2 m=11
